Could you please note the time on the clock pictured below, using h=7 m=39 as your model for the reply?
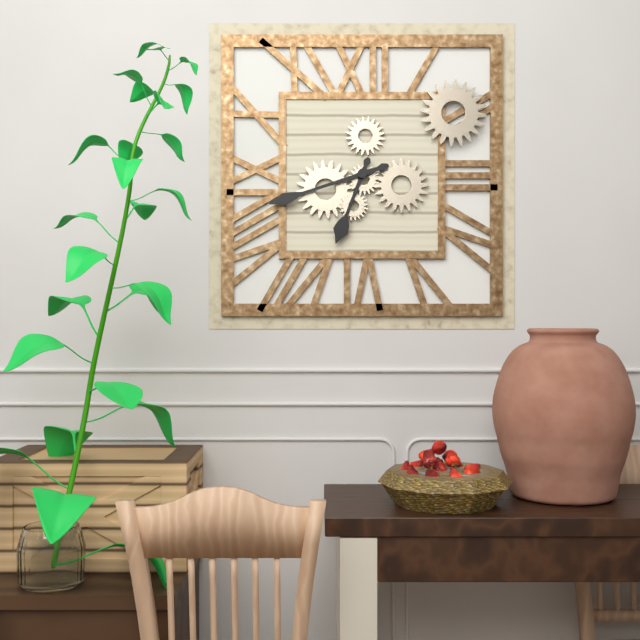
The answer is h=6 m=42
